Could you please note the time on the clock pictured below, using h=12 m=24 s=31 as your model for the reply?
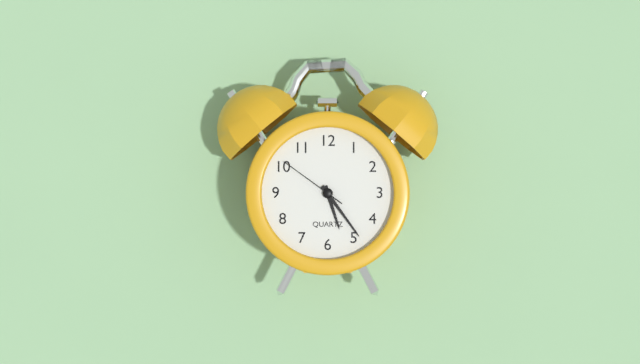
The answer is h=5 m=24 s=51
